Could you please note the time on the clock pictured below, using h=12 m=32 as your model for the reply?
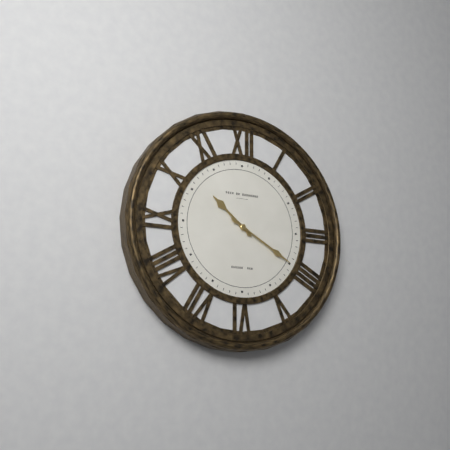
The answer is h=10 m=20
